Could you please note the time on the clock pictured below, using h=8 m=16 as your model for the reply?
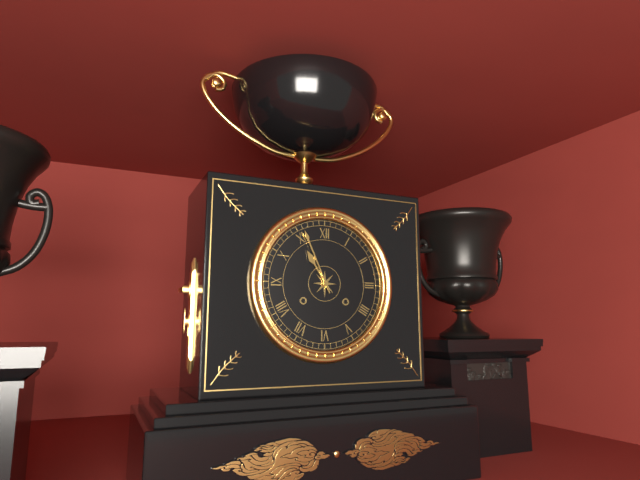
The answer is h=10 m=56
